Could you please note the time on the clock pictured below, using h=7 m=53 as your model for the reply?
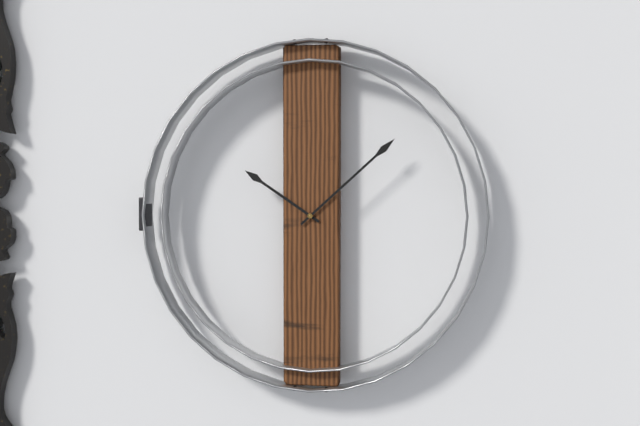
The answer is h=10 m=8
